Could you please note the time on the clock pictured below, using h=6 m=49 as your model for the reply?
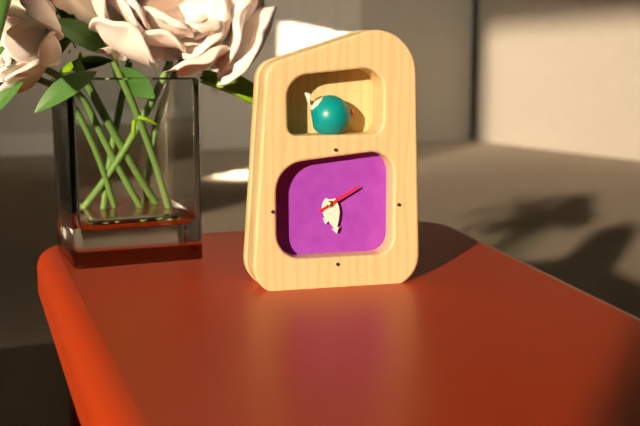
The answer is h=6 m=28
